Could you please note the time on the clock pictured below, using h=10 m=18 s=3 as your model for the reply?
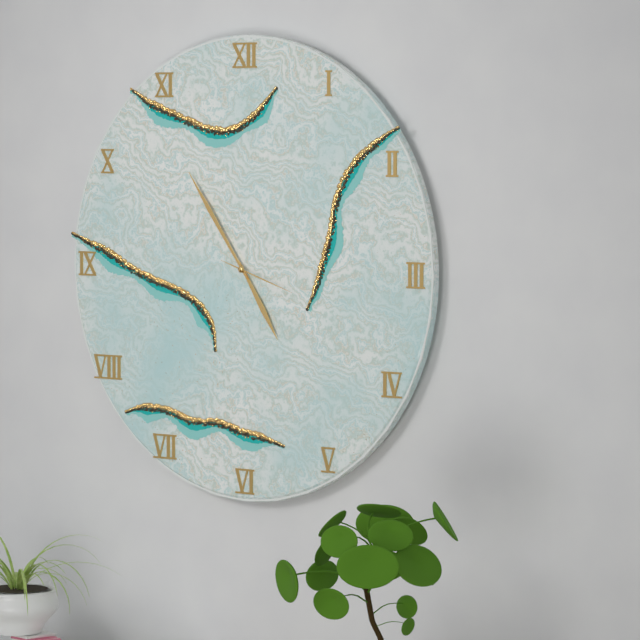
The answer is h=4 m=54 s=18
